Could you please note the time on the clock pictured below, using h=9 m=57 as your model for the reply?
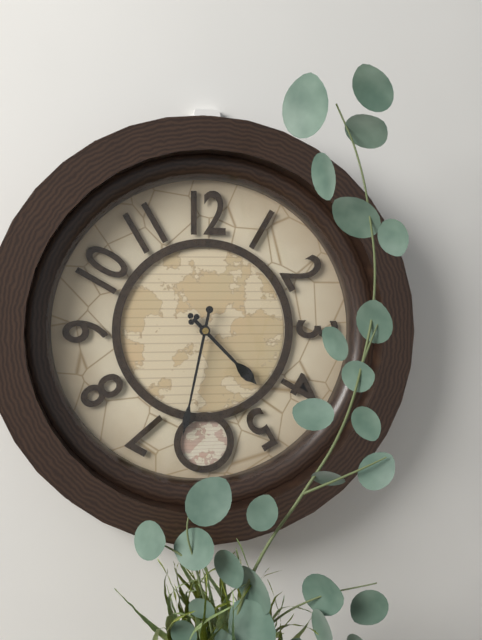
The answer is h=4 m=32
